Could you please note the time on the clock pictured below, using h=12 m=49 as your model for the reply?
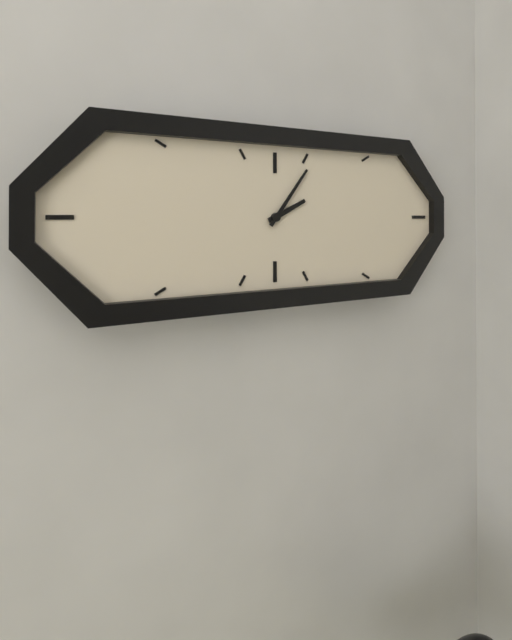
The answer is h=2 m=6
